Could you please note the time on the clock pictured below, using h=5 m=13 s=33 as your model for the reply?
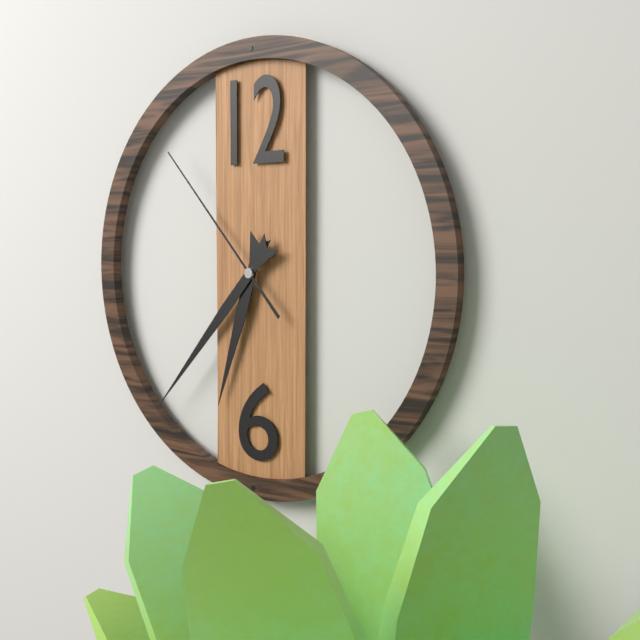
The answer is h=6 m=37 s=53
